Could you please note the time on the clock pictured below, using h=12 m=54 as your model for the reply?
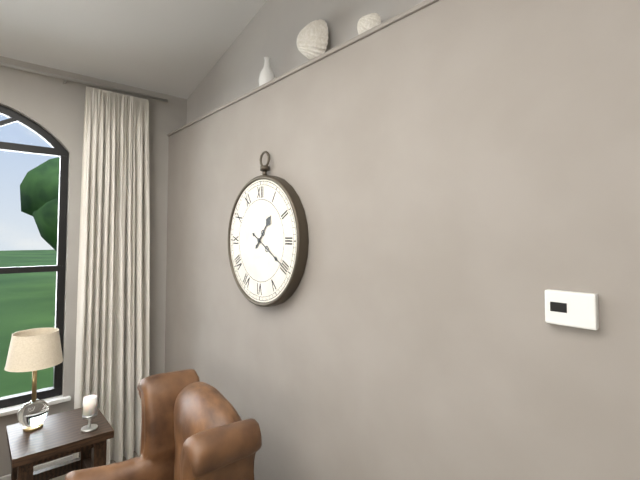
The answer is h=1 m=20
